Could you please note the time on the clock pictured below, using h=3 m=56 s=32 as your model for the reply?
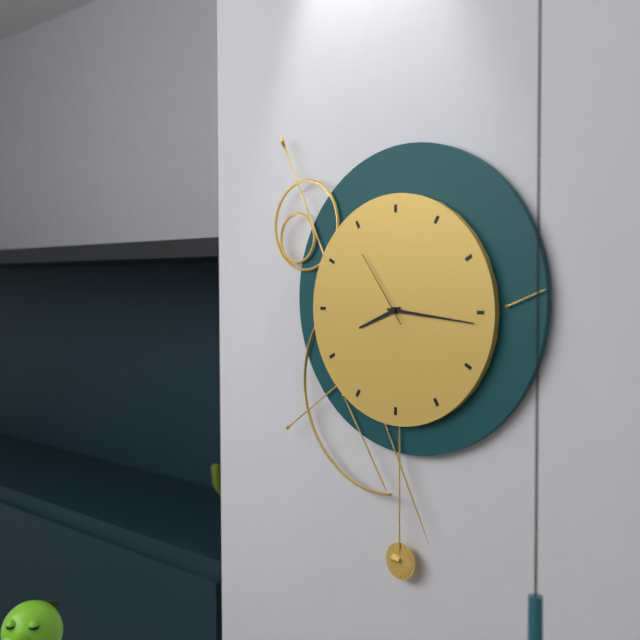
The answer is h=8 m=16 s=54
